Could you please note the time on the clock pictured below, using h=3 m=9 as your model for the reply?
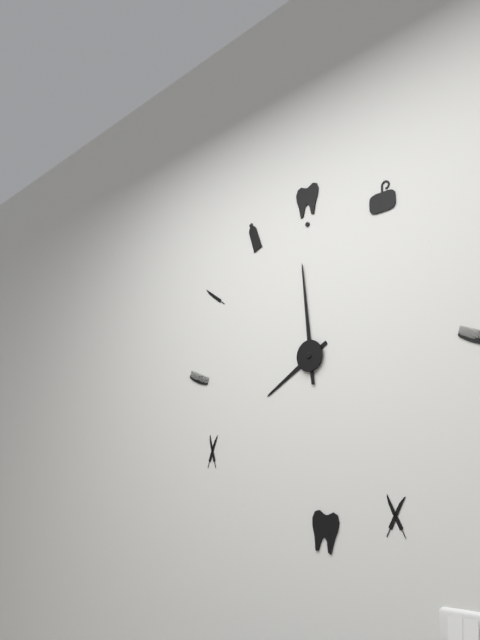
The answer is h=7 m=59
